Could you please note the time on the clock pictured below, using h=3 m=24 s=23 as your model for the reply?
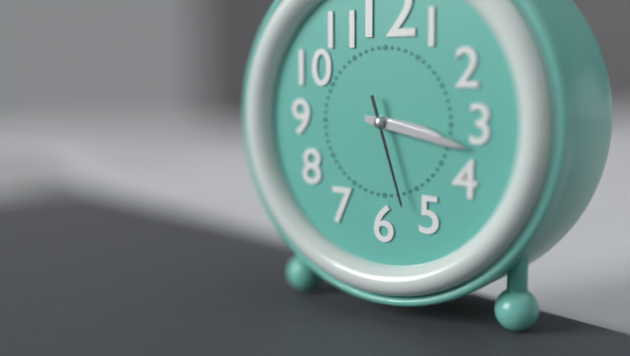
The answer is h=3 m=17 s=27
